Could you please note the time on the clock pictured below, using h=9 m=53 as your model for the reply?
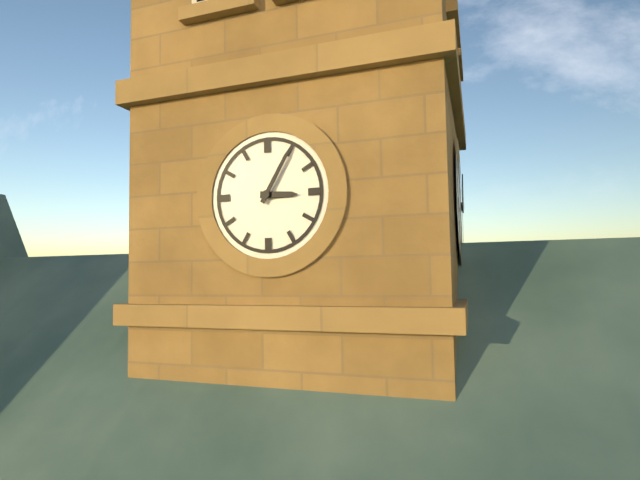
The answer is h=3 m=5
